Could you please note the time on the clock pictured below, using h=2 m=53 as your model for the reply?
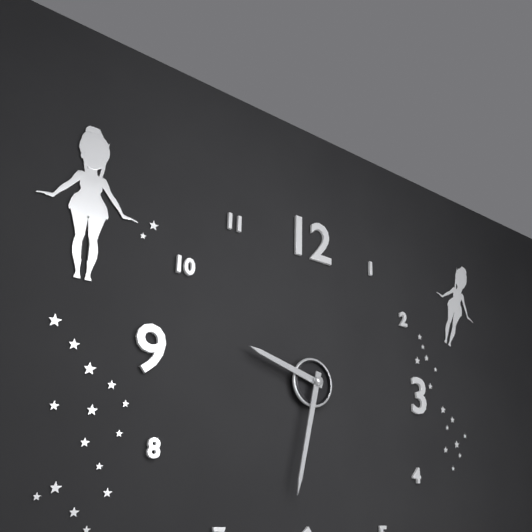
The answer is h=9 m=32
